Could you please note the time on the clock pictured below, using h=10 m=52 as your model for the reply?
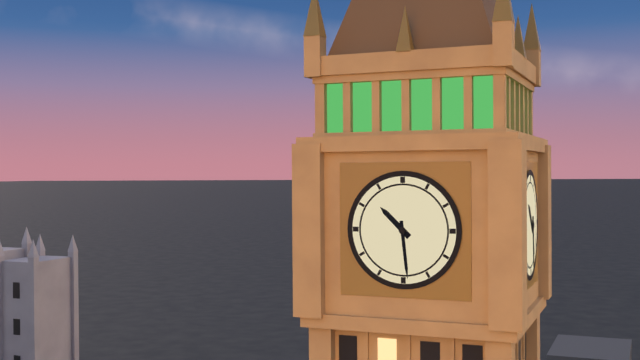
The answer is h=10 m=29
